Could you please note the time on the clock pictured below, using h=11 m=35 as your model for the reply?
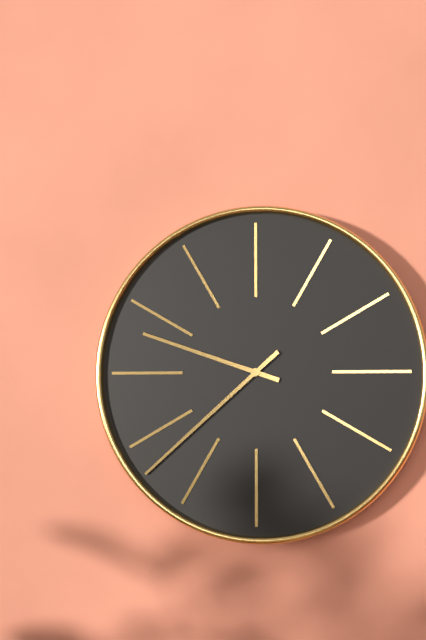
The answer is h=9 m=38
